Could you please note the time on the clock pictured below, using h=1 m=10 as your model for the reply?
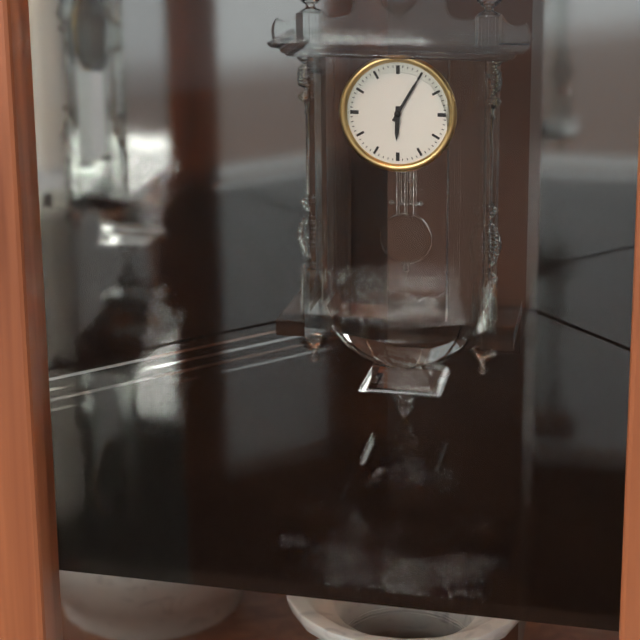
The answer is h=6 m=5
